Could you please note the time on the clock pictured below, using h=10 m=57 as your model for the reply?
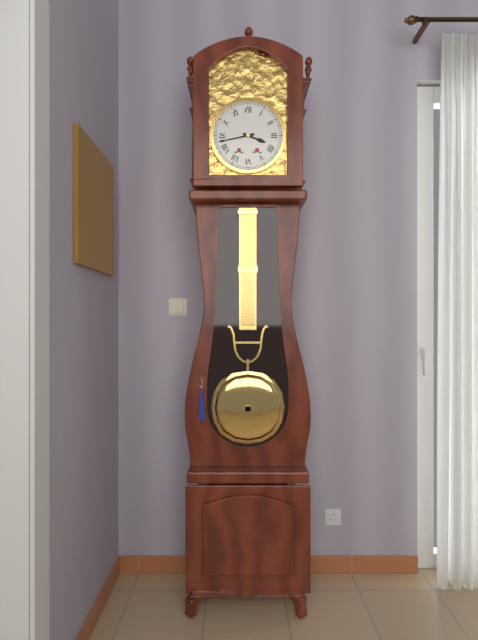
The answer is h=3 m=43
